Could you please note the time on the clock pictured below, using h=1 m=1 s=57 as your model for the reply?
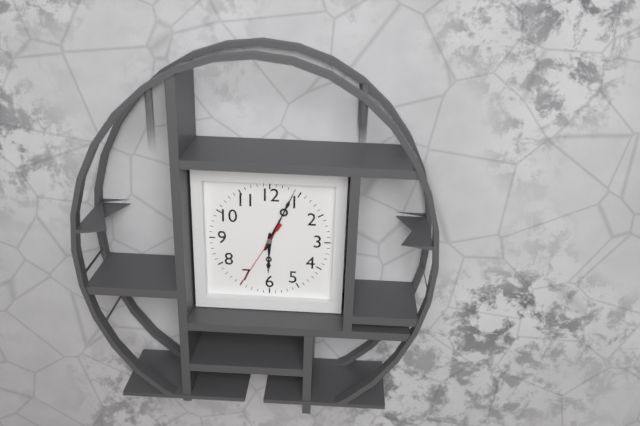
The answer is h=6 m=4 s=35
